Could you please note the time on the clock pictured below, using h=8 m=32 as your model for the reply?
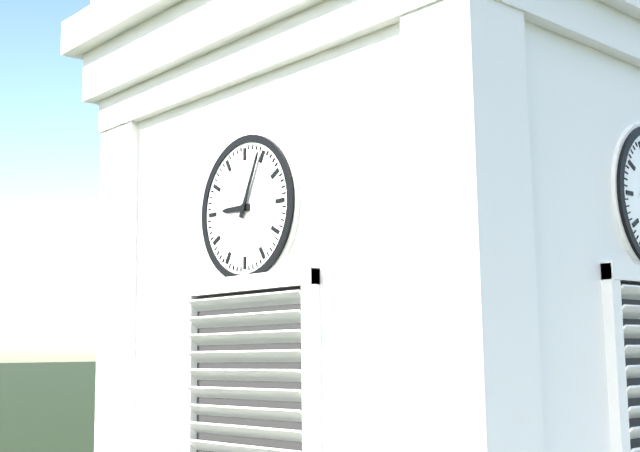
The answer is h=9 m=4
